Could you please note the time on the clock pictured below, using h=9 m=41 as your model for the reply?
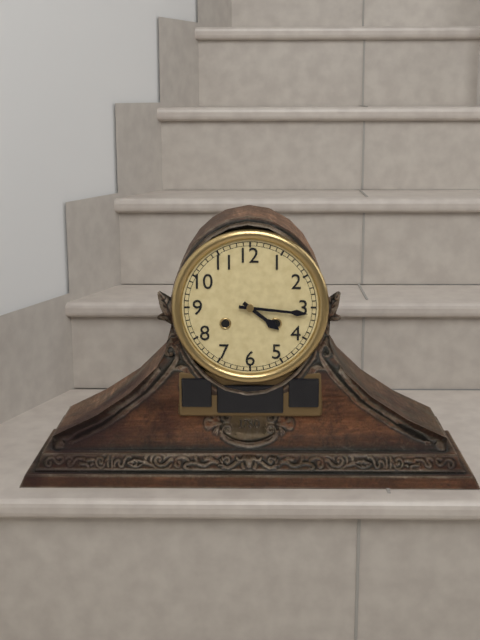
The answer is h=4 m=16
